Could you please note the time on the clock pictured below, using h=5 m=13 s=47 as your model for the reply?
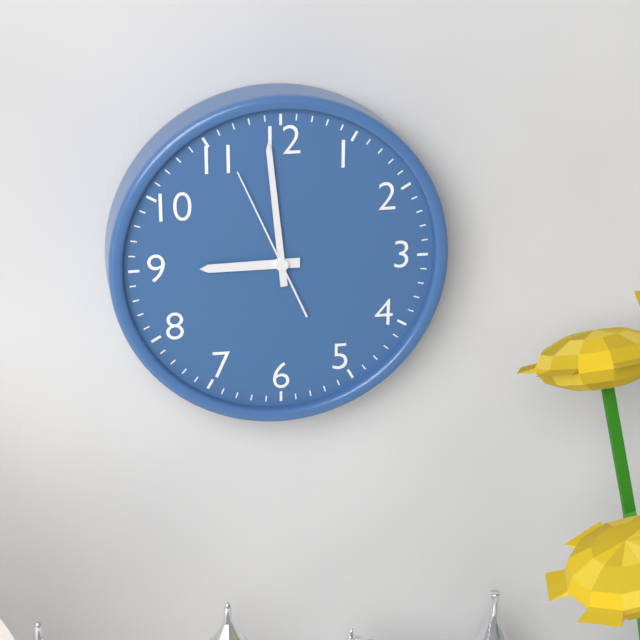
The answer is h=8 m=59 s=56
